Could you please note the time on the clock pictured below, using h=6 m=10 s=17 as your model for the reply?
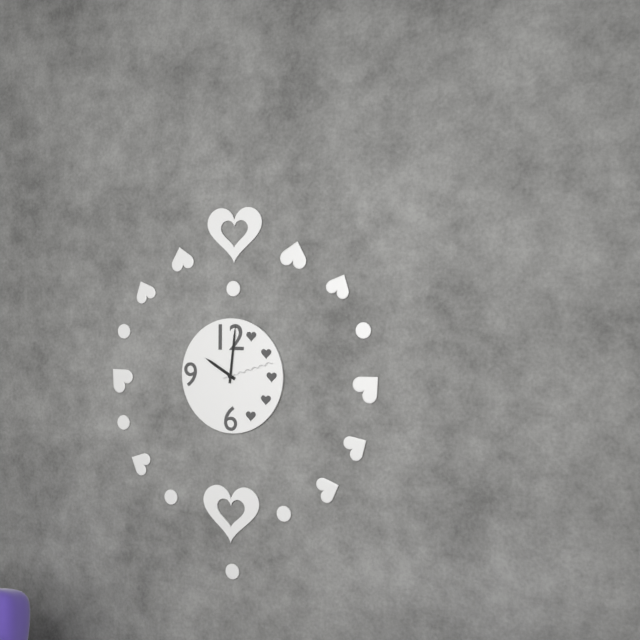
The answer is h=10 m=1 s=12
